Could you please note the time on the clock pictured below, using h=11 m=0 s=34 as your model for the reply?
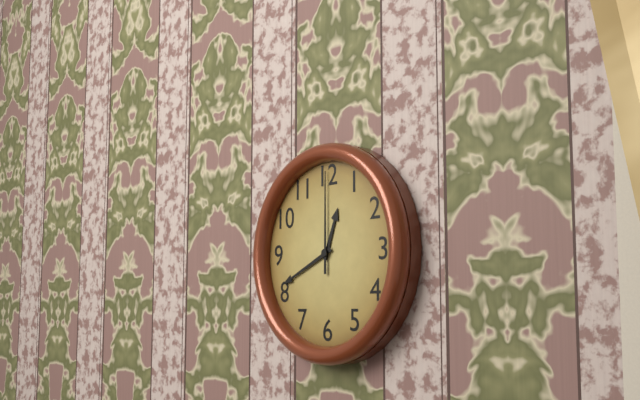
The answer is h=12 m=41 s=0
